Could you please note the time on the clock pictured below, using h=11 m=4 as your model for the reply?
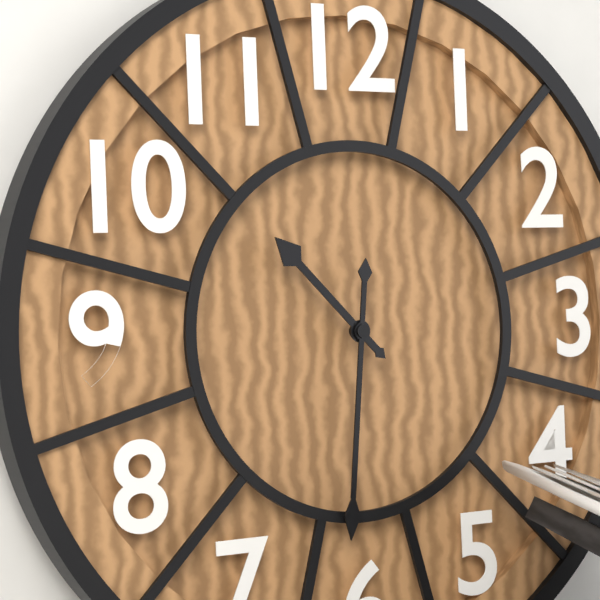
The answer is h=10 m=31
